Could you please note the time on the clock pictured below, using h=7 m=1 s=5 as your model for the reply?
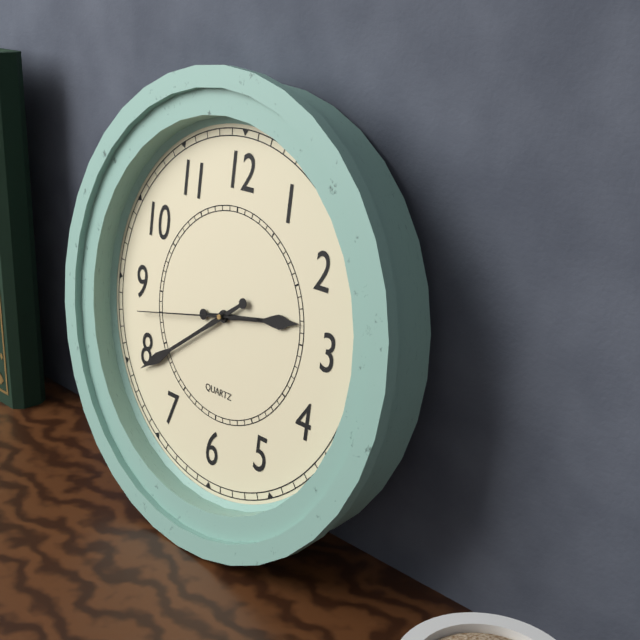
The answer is h=2 m=39 s=43
